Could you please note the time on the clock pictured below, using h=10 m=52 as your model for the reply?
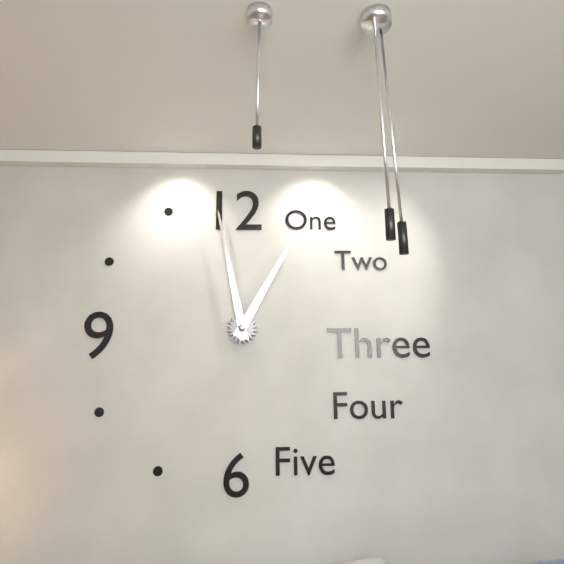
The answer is h=12 m=58
